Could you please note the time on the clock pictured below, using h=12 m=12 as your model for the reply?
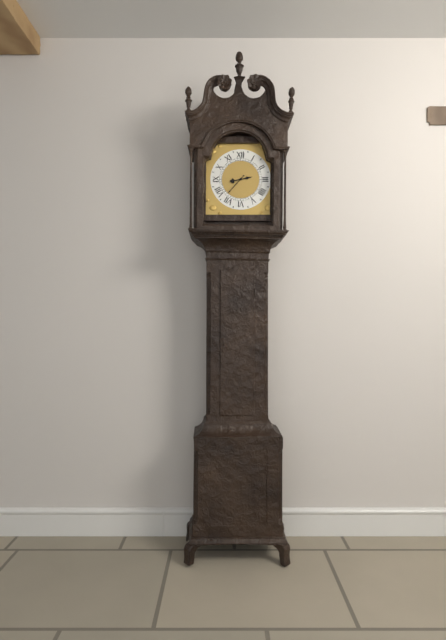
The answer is h=2 m=37
